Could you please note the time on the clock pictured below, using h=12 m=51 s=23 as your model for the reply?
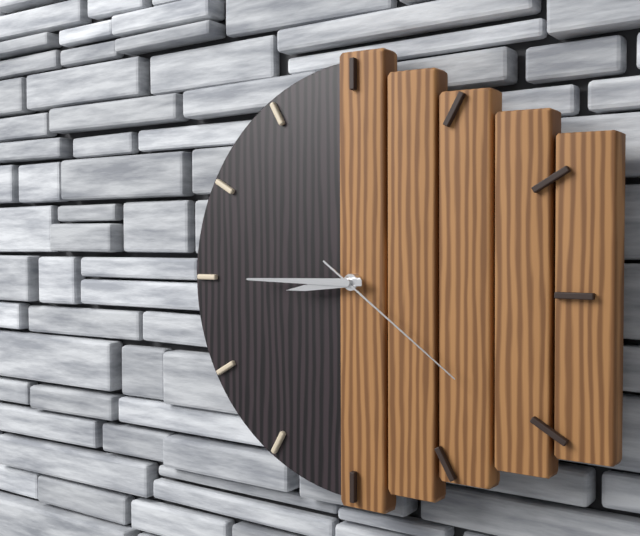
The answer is h=8 m=45 s=21
